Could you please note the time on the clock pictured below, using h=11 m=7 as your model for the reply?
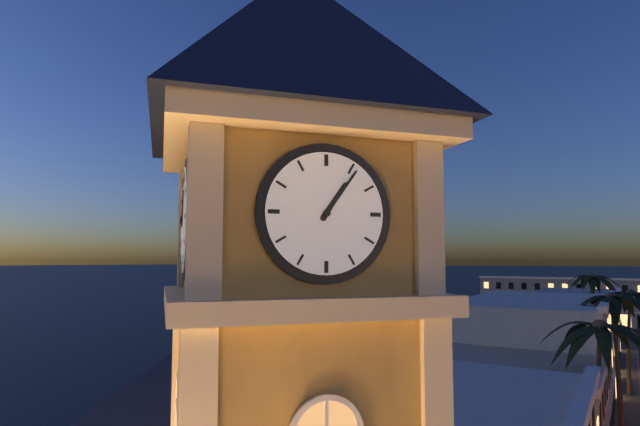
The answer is h=1 m=6
